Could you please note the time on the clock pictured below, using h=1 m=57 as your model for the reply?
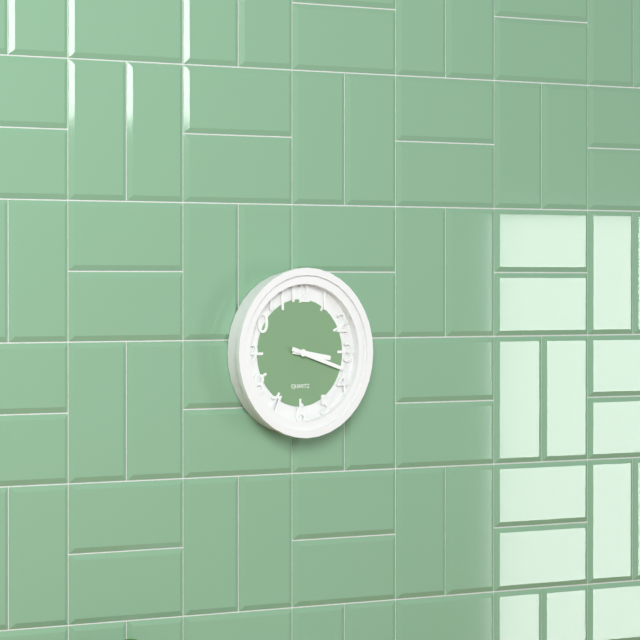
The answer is h=3 m=18
